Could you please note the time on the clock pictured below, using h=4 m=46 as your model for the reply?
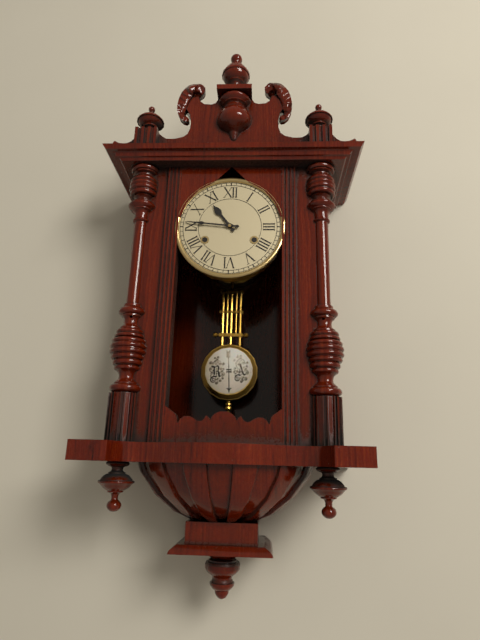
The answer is h=10 m=46
